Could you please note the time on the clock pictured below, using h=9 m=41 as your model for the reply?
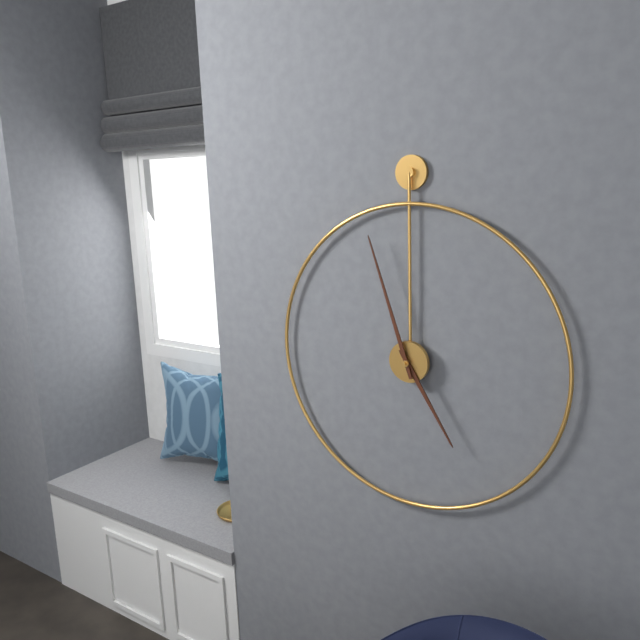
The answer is h=4 m=57
